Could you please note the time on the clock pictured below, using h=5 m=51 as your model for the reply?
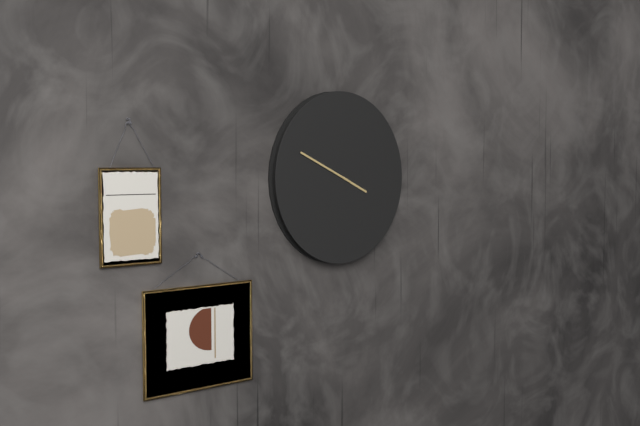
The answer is h=3 m=49
